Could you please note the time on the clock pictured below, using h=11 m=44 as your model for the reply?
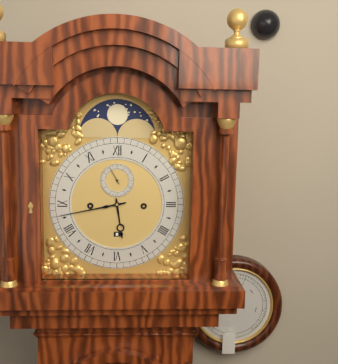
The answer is h=5 m=43
